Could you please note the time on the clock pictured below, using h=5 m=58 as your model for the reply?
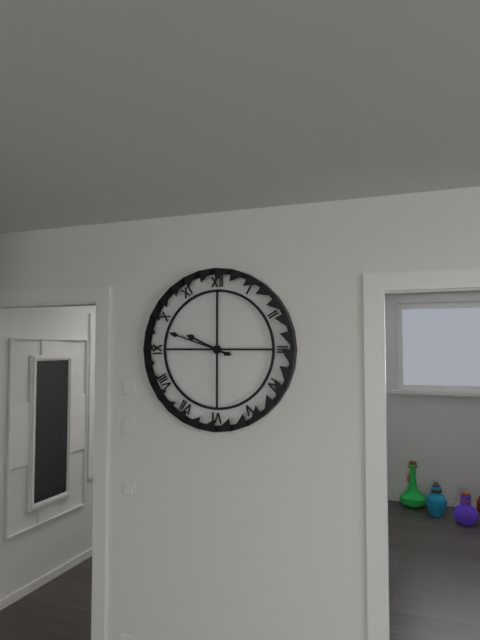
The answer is h=9 m=48
